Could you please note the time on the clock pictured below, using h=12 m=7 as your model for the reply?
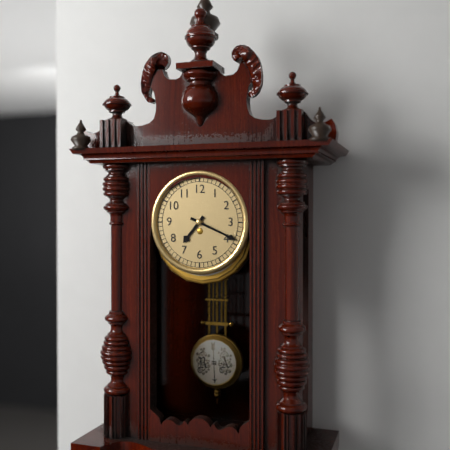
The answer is h=7 m=19
